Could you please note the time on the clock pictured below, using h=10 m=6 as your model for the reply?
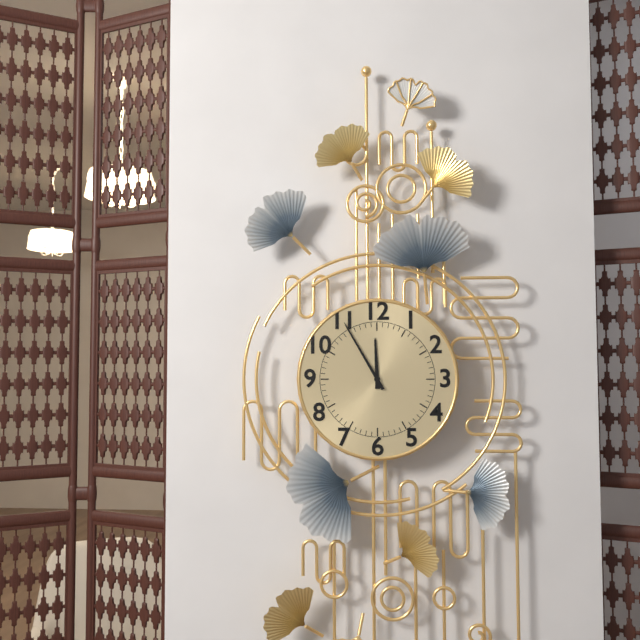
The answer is h=11 m=55
